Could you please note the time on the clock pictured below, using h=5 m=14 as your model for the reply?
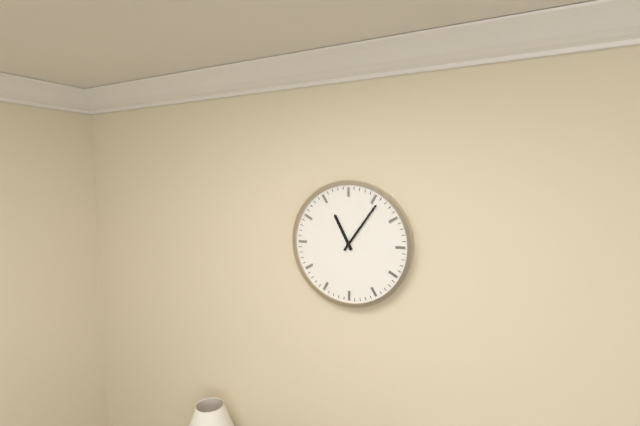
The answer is h=11 m=6
